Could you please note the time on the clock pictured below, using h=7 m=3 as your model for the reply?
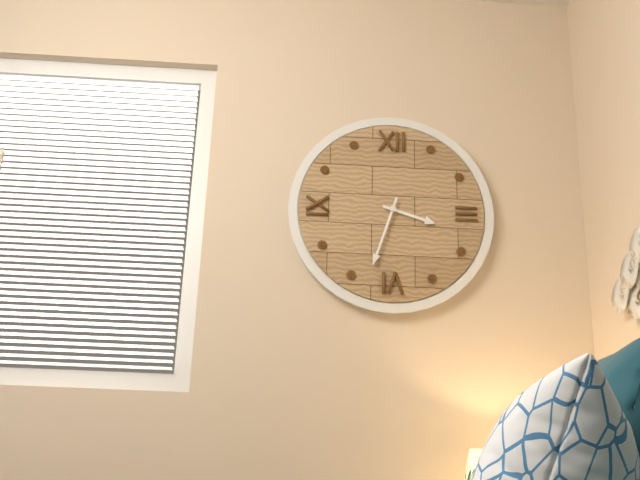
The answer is h=3 m=33
